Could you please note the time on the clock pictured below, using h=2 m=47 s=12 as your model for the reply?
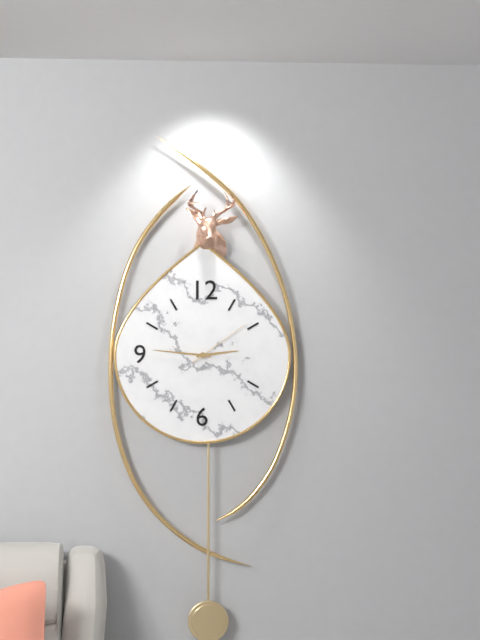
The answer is h=2 m=46 s=9
